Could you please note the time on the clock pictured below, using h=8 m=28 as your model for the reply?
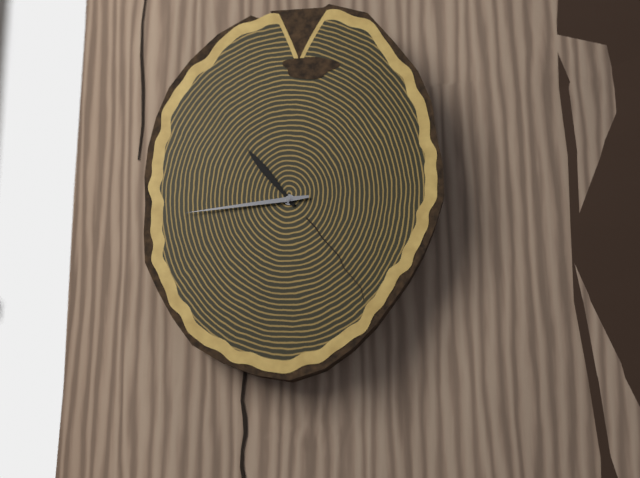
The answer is h=10 m=44
